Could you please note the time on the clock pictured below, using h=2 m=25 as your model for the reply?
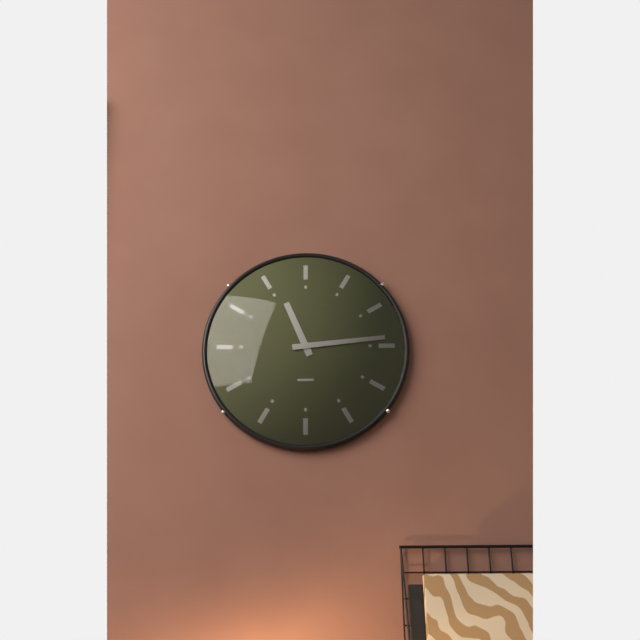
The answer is h=11 m=14
